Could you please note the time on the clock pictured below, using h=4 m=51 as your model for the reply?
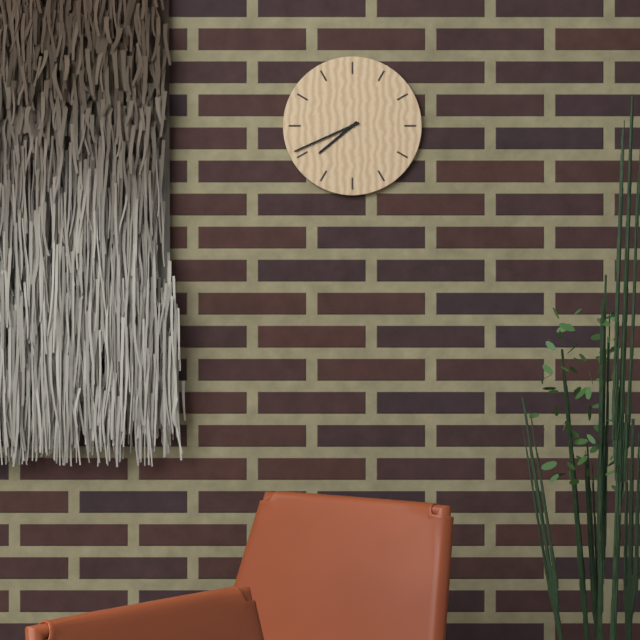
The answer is h=7 m=41
